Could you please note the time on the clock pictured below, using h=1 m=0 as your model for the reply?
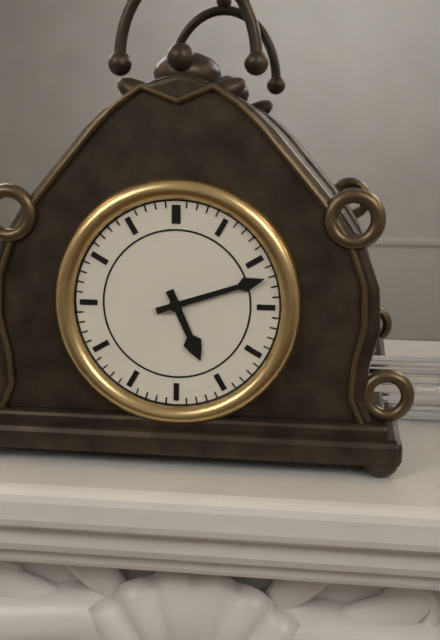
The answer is h=5 m=12
